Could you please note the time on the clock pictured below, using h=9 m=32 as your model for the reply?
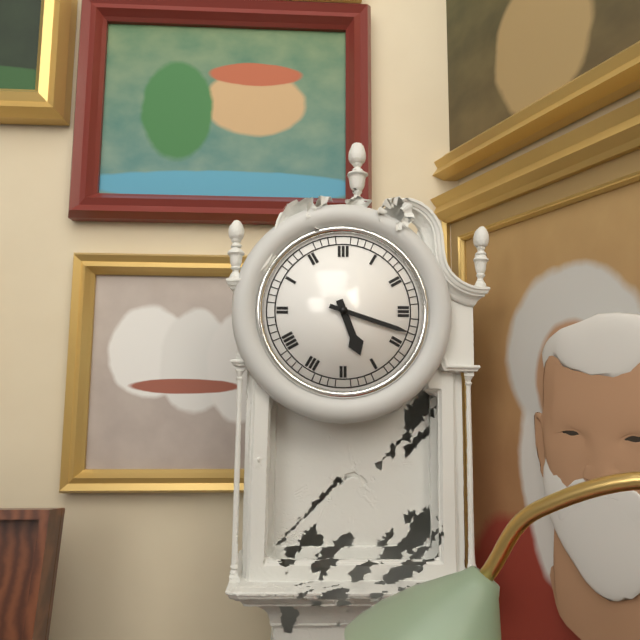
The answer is h=5 m=18
